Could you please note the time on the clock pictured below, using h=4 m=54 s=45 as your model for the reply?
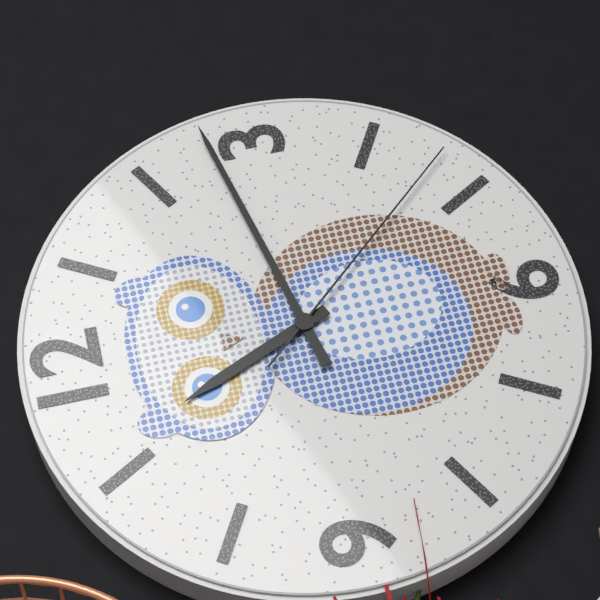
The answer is h=11 m=13 s=23
